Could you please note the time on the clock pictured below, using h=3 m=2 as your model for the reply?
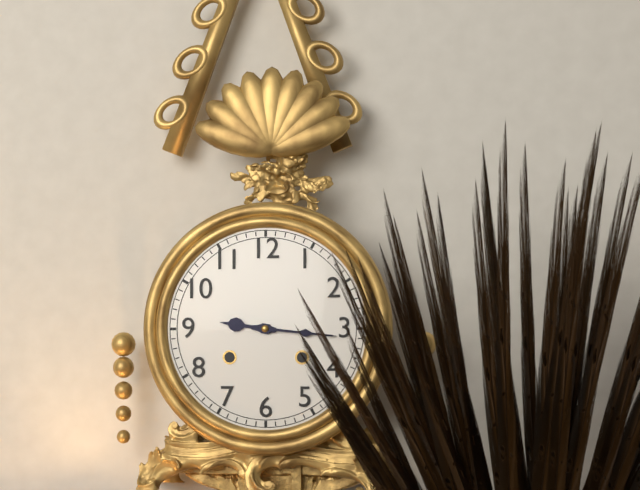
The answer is h=9 m=16
